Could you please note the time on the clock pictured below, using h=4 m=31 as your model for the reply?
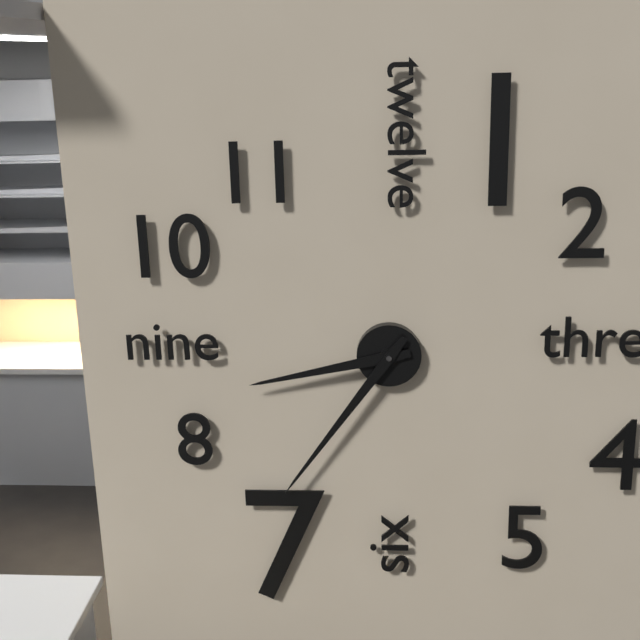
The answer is h=8 m=36
